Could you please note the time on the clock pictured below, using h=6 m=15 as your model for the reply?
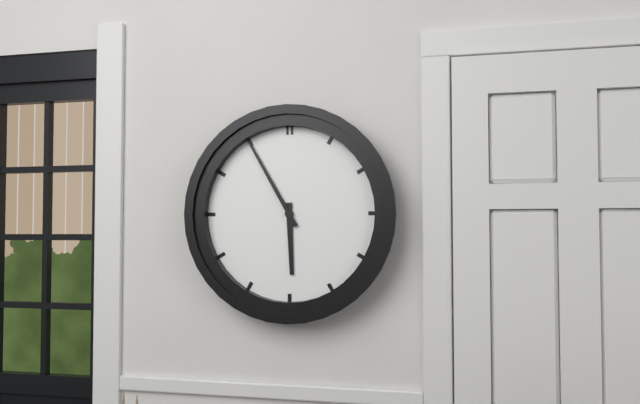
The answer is h=5 m=55
